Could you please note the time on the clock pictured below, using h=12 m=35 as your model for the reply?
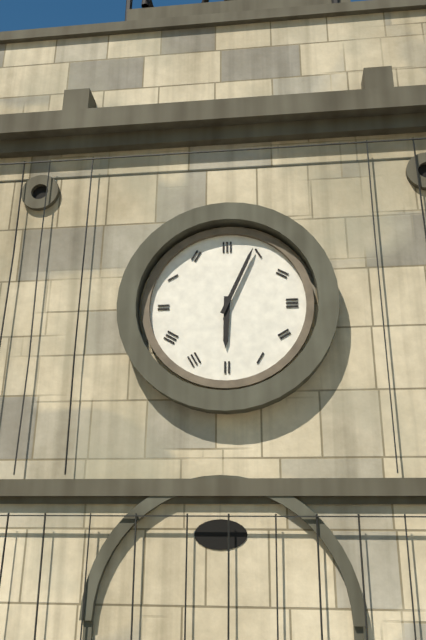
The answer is h=6 m=4
